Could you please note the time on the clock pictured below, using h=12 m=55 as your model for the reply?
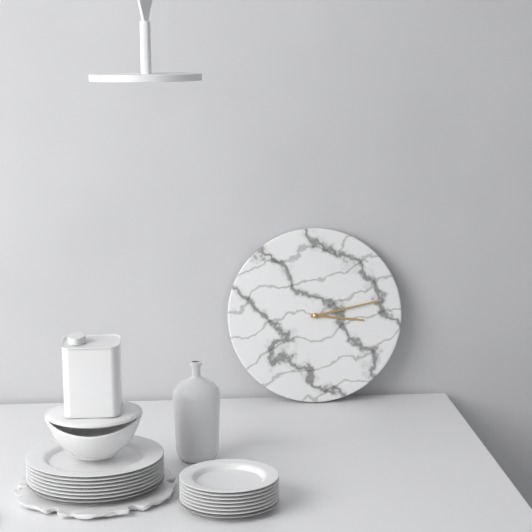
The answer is h=3 m=13
